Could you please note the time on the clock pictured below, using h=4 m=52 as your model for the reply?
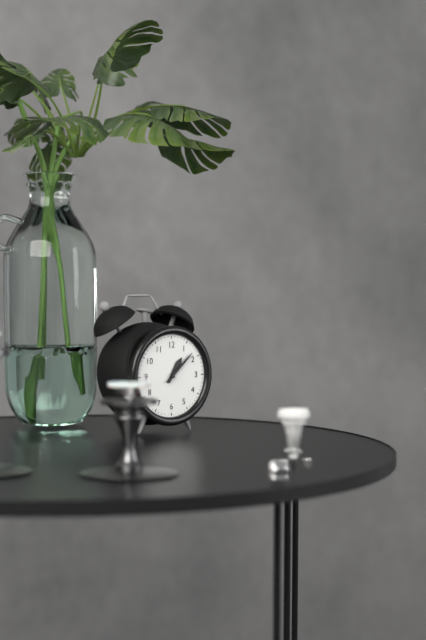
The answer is h=1 m=8
